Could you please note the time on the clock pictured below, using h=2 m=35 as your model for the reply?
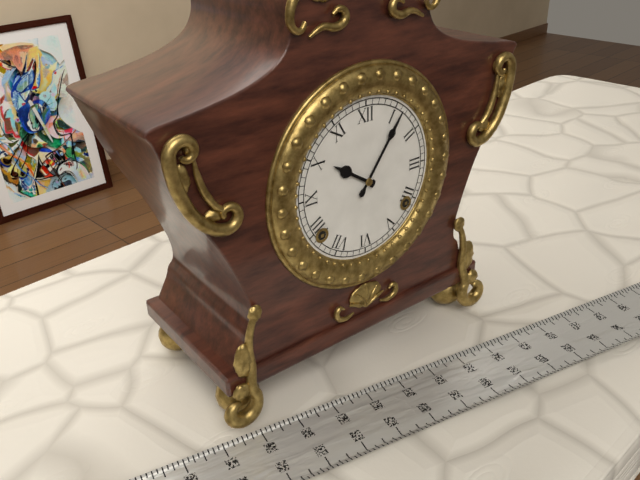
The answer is h=10 m=6
